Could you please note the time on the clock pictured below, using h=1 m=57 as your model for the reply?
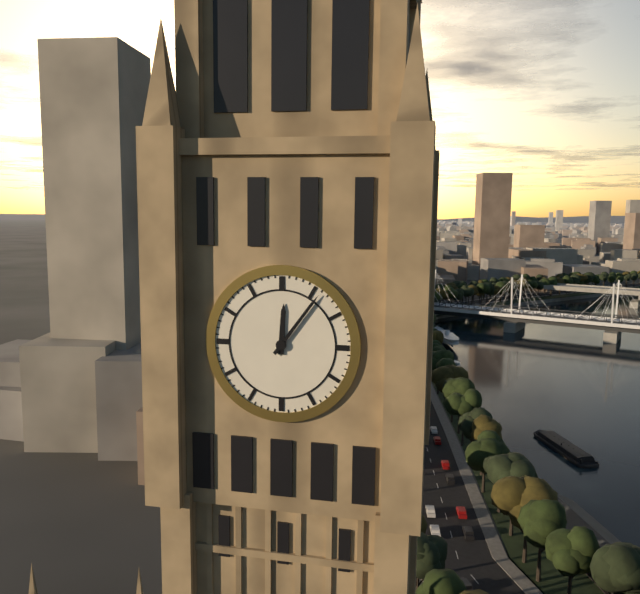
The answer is h=12 m=6
